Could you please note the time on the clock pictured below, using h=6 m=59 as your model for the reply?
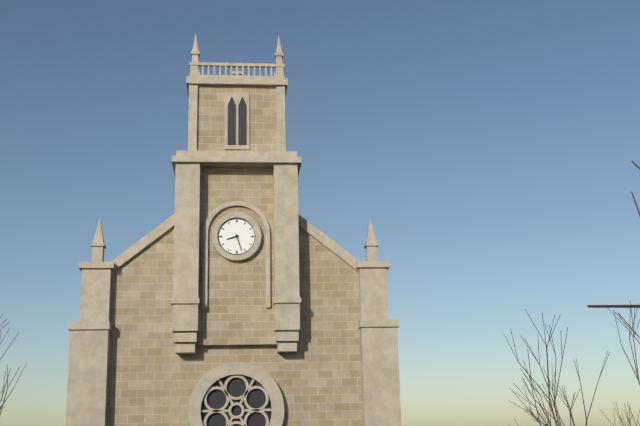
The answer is h=8 m=27
